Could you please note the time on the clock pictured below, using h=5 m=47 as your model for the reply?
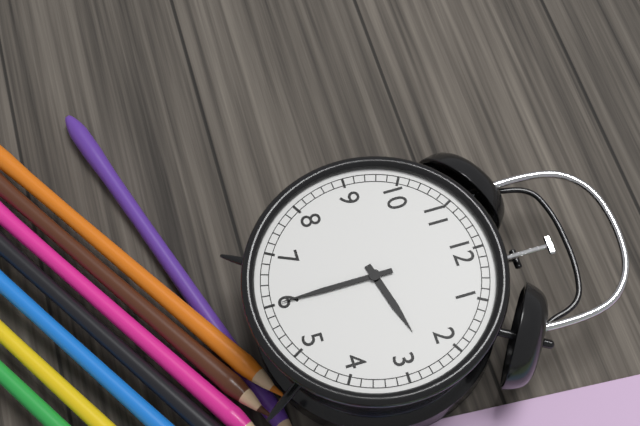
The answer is h=2 m=30
